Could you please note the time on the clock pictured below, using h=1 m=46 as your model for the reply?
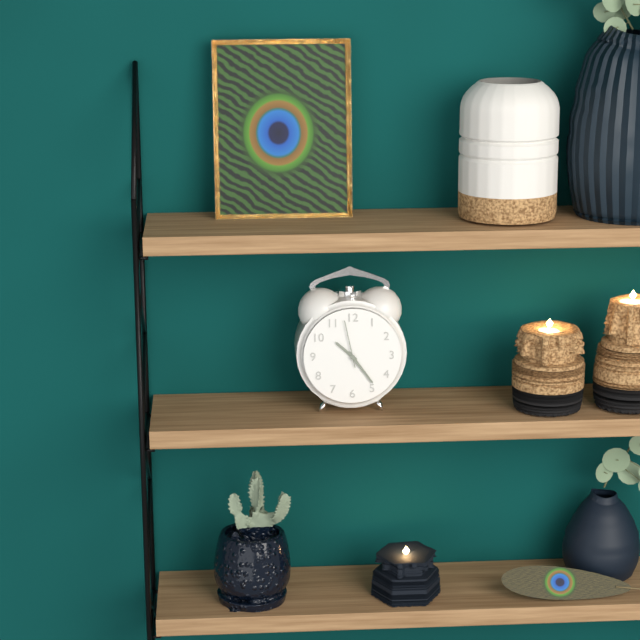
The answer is h=10 m=24
